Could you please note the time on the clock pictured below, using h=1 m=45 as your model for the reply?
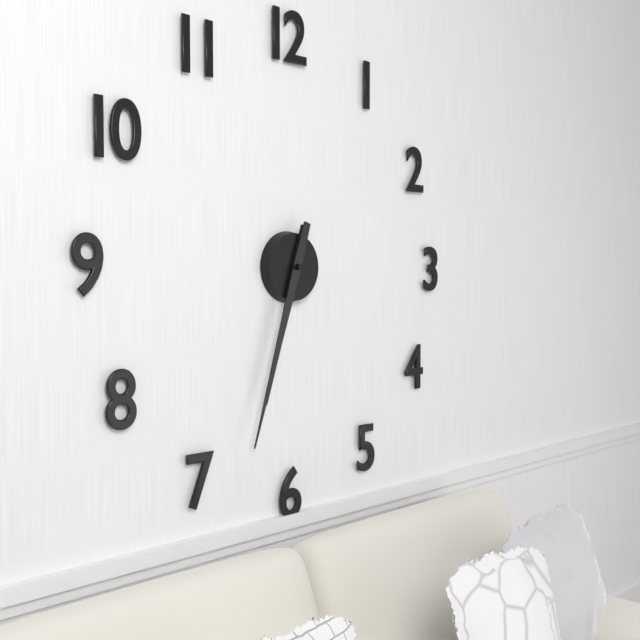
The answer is h=6 m=33
